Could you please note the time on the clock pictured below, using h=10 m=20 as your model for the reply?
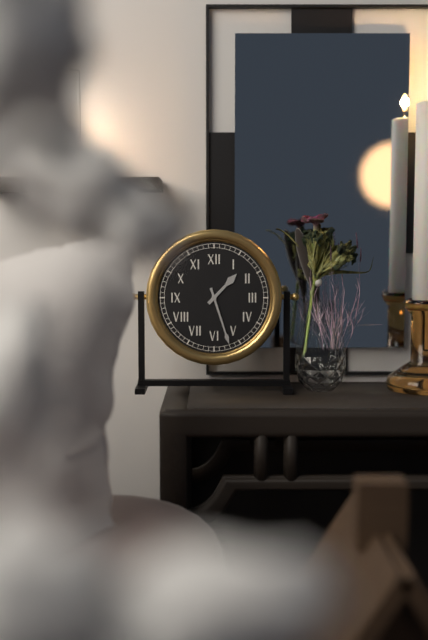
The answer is h=1 m=27
